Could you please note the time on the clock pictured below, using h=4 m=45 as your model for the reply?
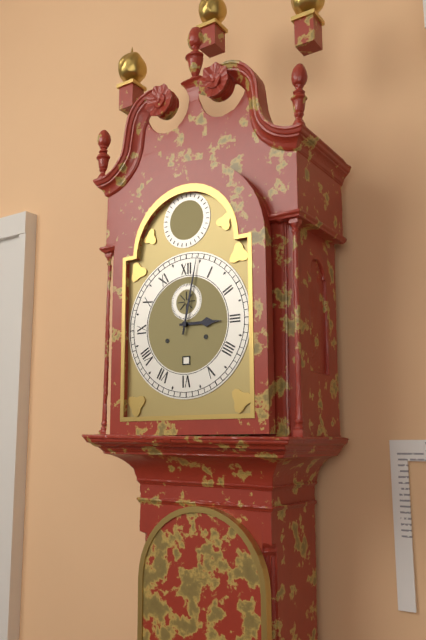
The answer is h=3 m=2
